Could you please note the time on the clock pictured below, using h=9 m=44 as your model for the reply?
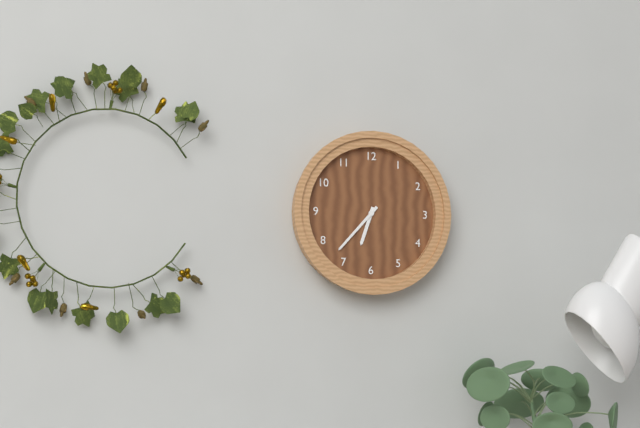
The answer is h=6 m=37
